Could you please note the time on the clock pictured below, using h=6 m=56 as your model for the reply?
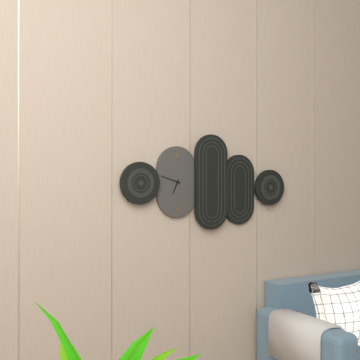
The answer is h=6 m=48
